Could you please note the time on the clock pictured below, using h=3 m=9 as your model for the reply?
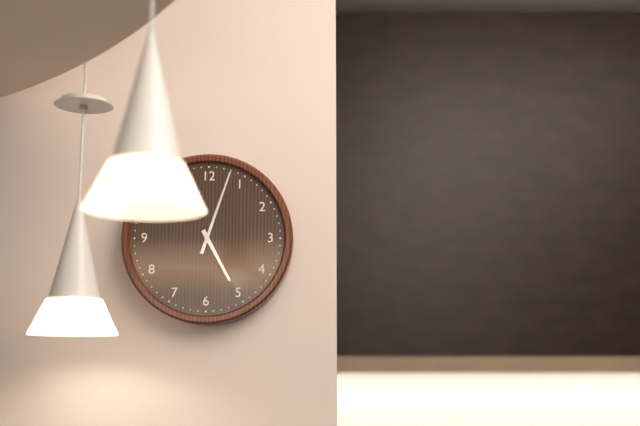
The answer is h=5 m=3
